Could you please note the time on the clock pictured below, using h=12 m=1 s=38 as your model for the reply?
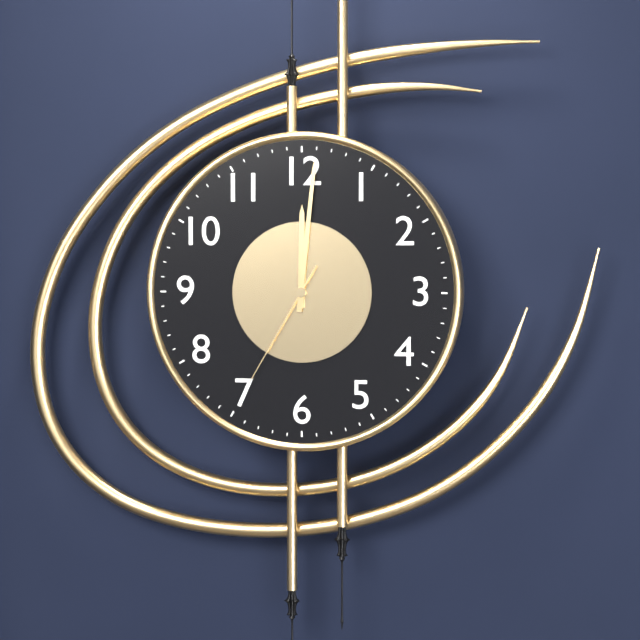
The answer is h=12 m=1 s=35
